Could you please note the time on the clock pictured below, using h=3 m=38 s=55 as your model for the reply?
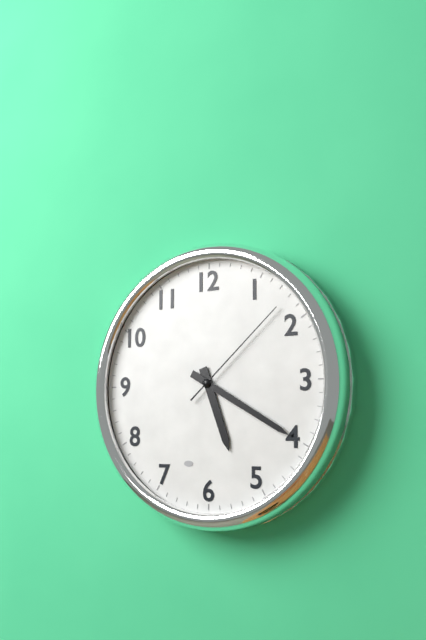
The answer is h=5 m=20 s=8
